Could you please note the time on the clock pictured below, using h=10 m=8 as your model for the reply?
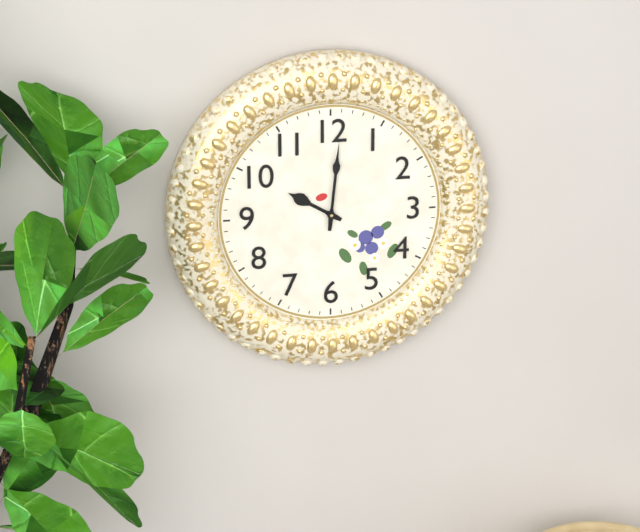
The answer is h=10 m=1
